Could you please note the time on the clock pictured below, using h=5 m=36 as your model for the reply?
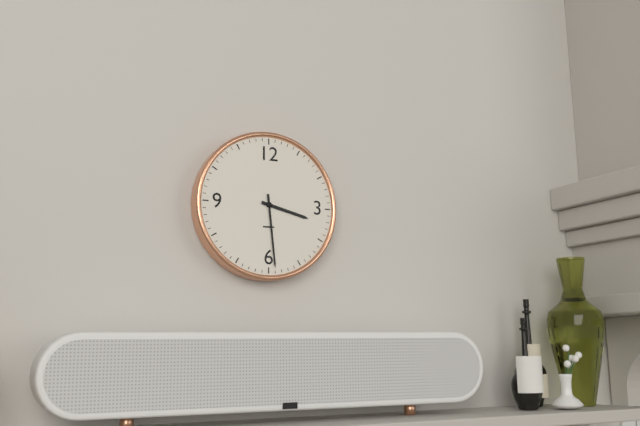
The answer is h=3 m=29
